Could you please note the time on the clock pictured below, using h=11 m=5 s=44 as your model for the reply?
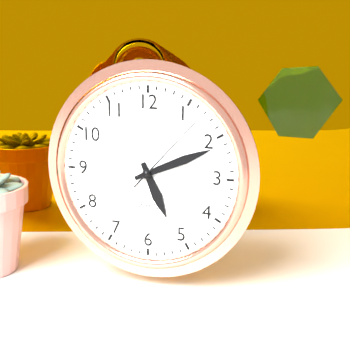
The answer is h=5 m=11 s=7
